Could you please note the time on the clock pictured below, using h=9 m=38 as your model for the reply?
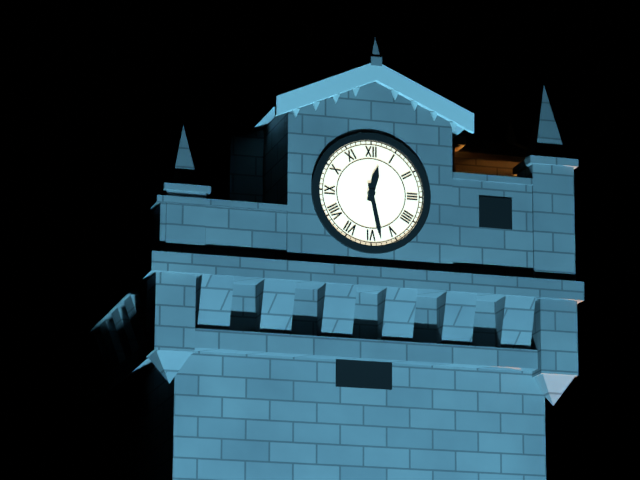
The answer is h=12 m=28
